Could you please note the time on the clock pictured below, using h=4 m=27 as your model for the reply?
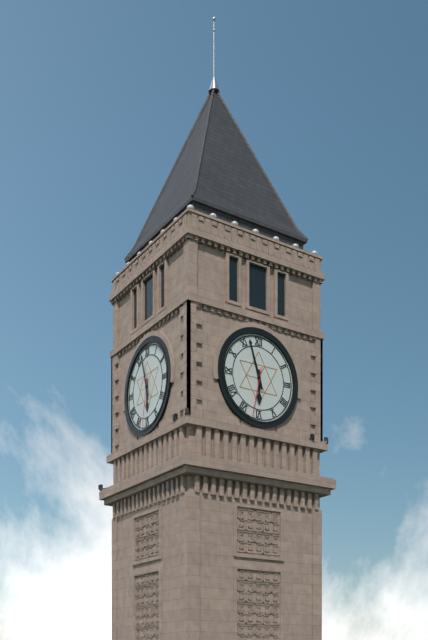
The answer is h=5 m=57
